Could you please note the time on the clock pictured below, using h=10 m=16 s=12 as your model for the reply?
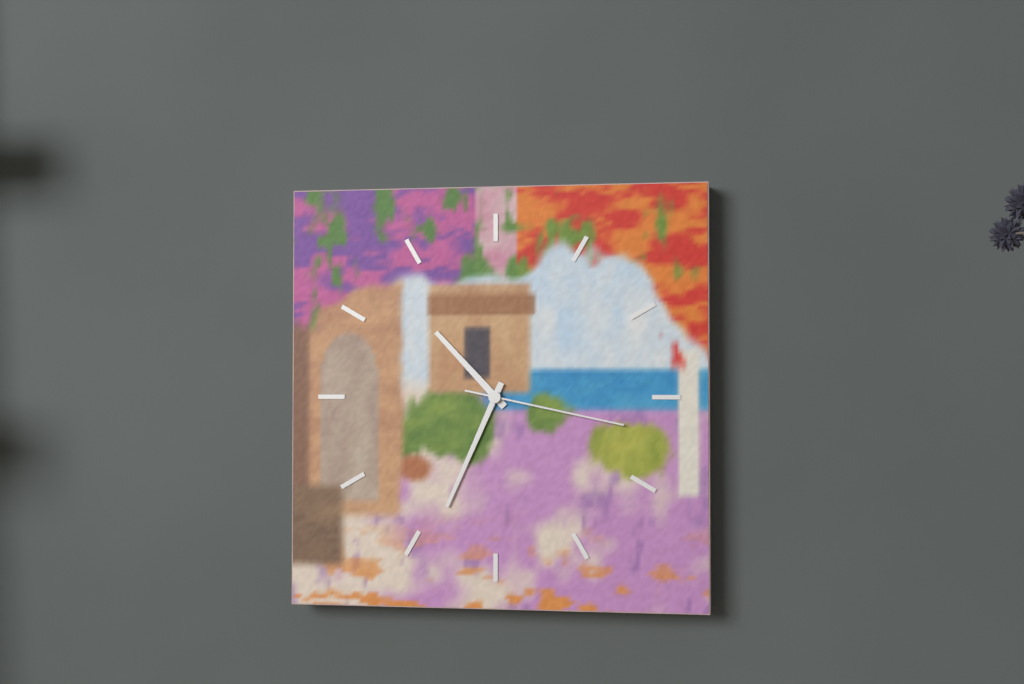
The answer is h=10 m=34 s=17
